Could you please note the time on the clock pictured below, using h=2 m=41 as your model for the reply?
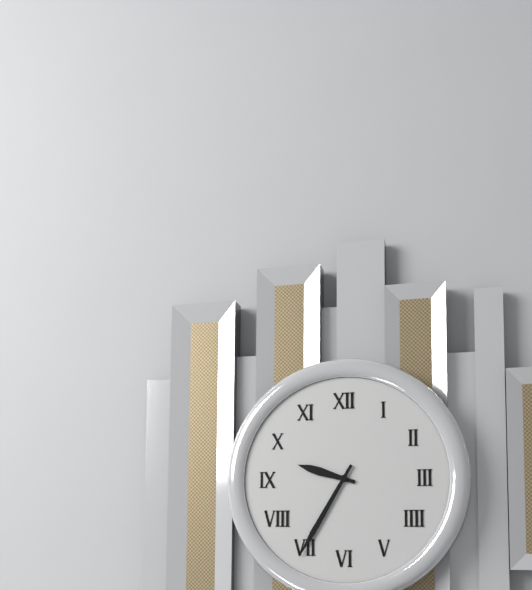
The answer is h=9 m=35
